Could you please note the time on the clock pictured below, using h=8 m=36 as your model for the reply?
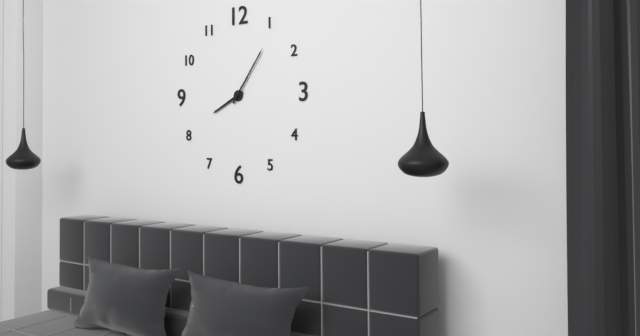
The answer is h=8 m=6
